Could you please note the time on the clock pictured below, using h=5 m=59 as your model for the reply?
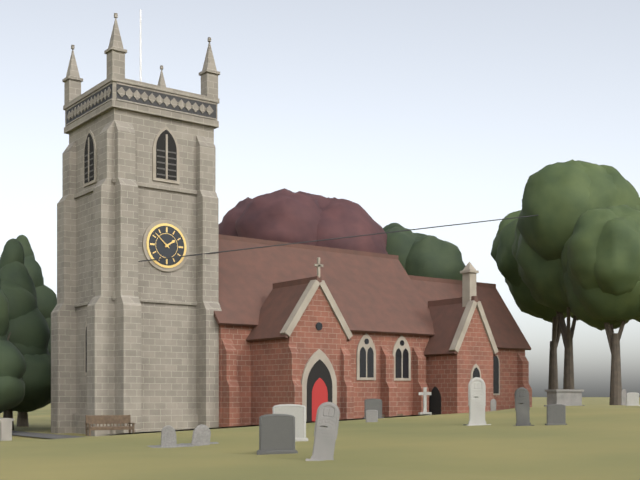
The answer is h=1 m=52
